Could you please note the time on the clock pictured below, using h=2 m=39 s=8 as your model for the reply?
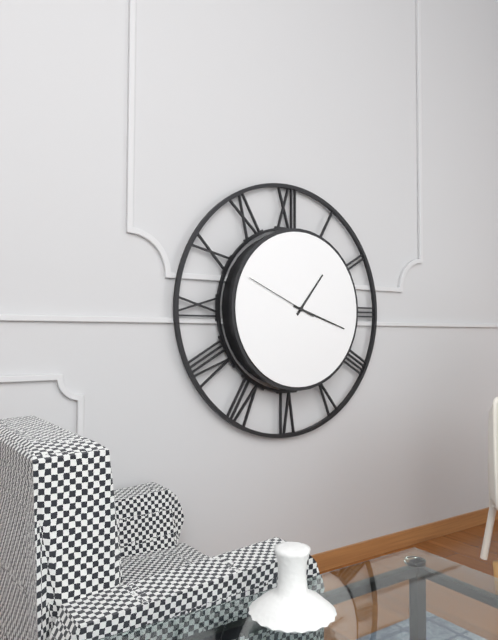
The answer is h=1 m=18 s=49
